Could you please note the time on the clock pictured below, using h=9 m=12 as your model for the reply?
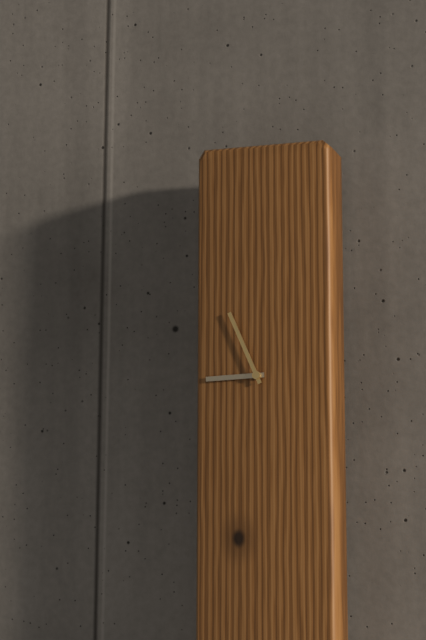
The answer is h=8 m=56
